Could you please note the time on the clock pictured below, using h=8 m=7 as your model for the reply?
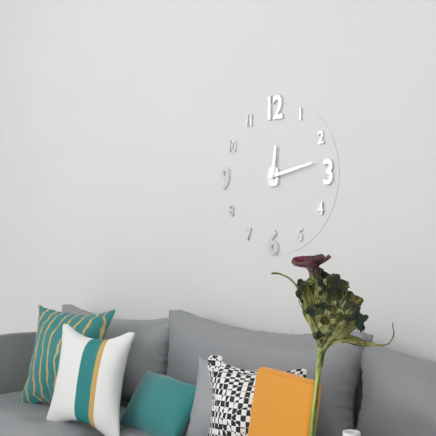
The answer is h=12 m=13
